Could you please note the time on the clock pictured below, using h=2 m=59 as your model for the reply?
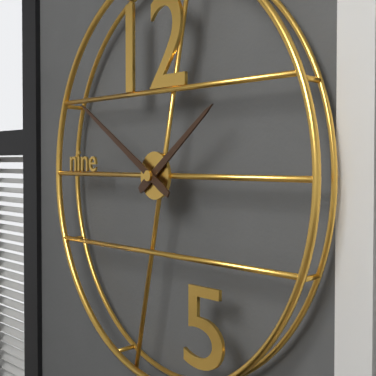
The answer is h=1 m=50
